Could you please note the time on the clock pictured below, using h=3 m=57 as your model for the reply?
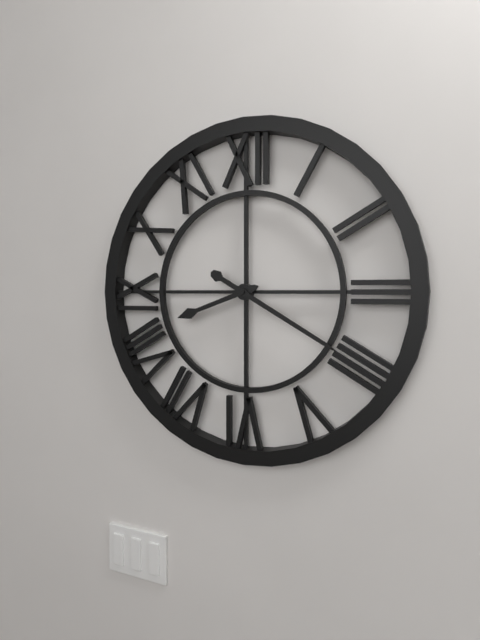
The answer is h=8 m=20
